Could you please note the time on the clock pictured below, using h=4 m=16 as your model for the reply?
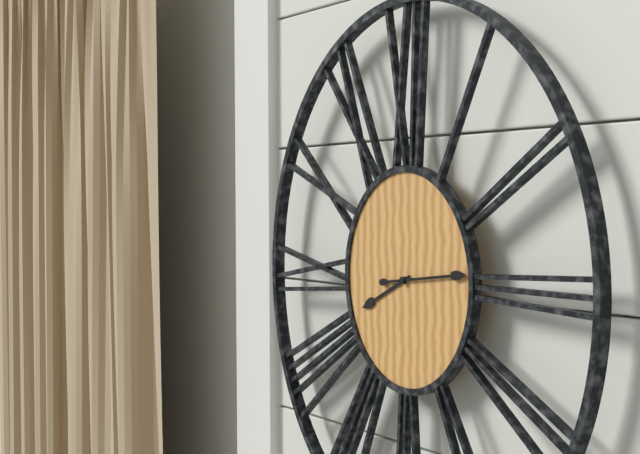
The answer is h=8 m=14
